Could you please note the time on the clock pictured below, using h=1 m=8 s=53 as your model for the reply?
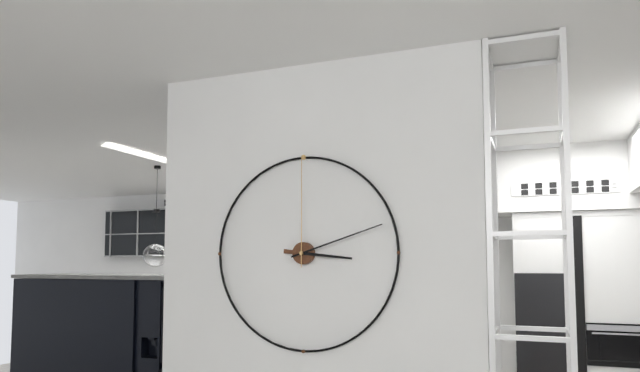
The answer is h=3 m=12 s=0
